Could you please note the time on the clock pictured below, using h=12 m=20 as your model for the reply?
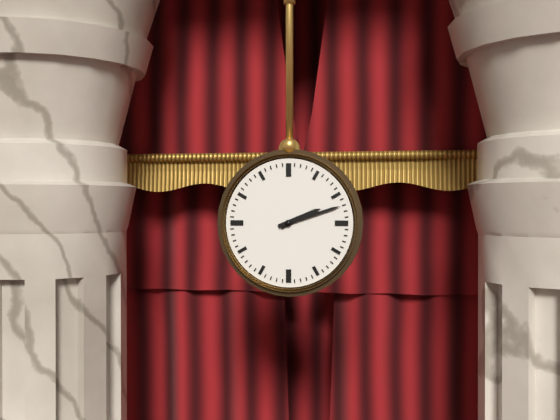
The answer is h=2 m=12
